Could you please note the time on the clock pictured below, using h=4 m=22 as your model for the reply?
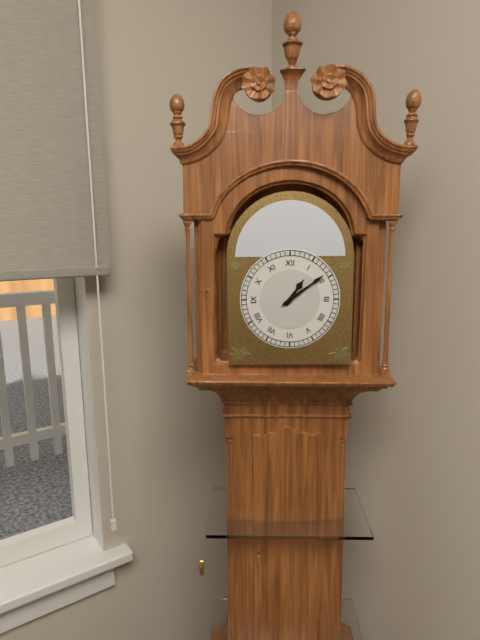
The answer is h=1 m=9
